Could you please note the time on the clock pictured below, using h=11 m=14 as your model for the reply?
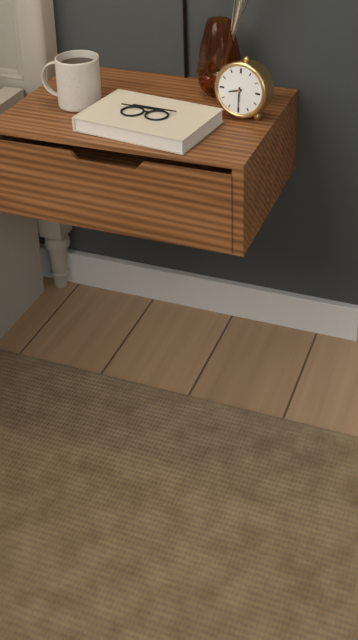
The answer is h=8 m=30
